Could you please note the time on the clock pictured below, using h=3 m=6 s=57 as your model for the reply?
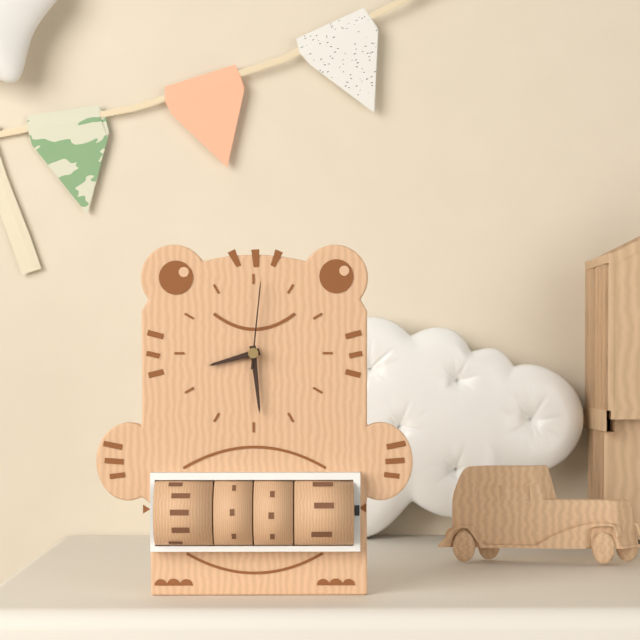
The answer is h=8 m=29 s=1
